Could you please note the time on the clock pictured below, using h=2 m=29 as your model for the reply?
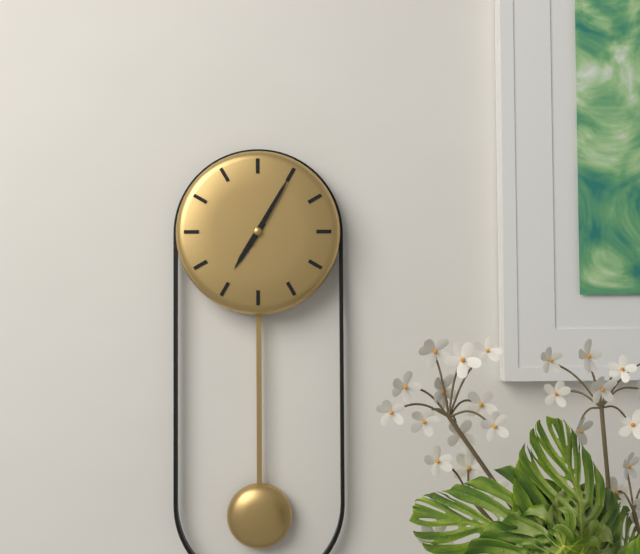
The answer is h=7 m=5
